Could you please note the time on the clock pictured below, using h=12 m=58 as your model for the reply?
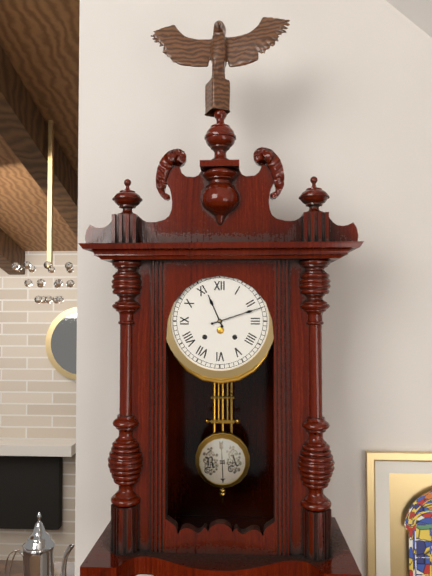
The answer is h=11 m=12
